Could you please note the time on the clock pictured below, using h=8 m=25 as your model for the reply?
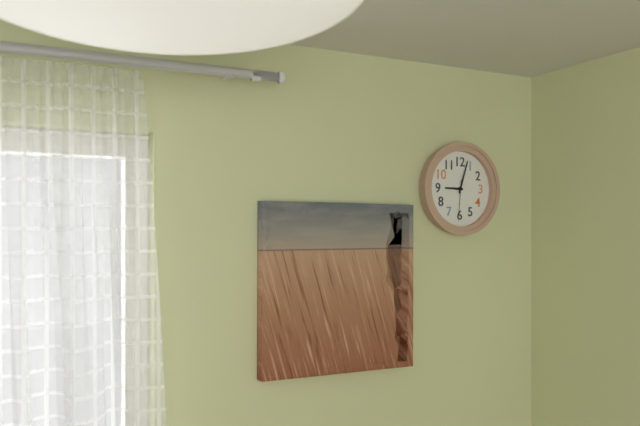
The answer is h=9 m=3
